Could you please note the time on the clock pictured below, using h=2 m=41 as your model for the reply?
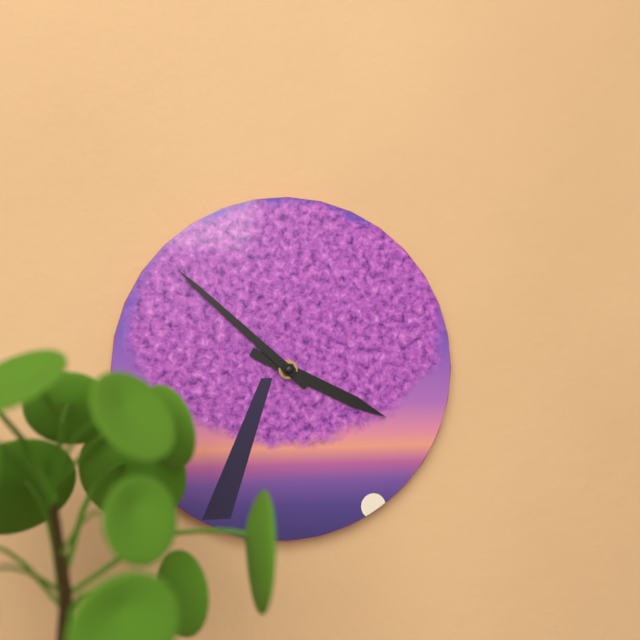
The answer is h=3 m=52
